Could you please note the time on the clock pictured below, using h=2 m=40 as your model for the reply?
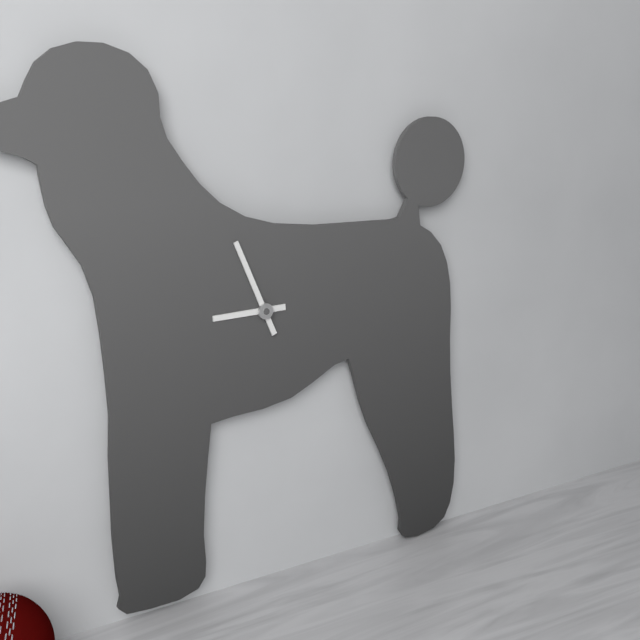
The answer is h=8 m=56
